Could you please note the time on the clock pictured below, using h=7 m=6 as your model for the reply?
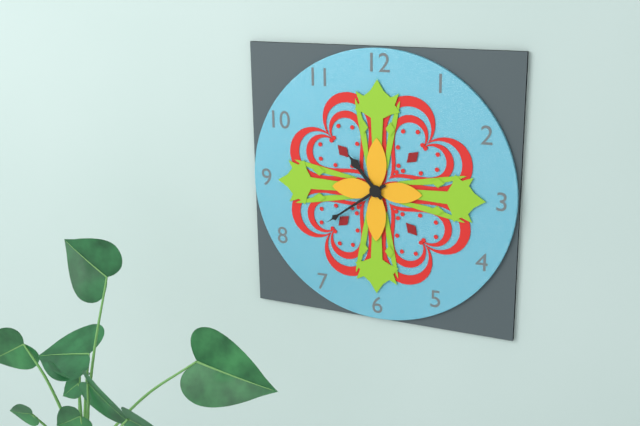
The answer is h=10 m=39
